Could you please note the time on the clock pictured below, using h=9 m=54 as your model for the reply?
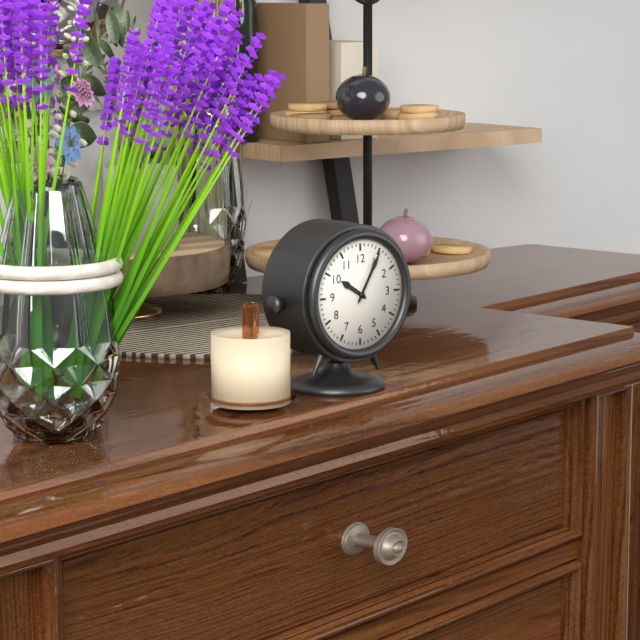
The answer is h=10 m=5
